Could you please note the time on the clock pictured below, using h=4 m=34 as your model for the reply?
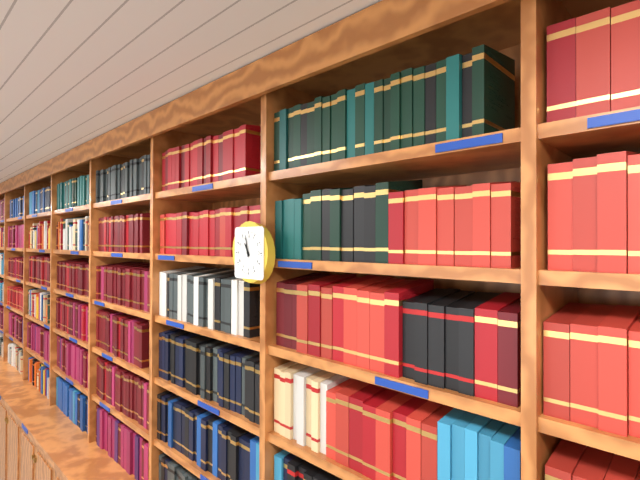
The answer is h=10 m=58
